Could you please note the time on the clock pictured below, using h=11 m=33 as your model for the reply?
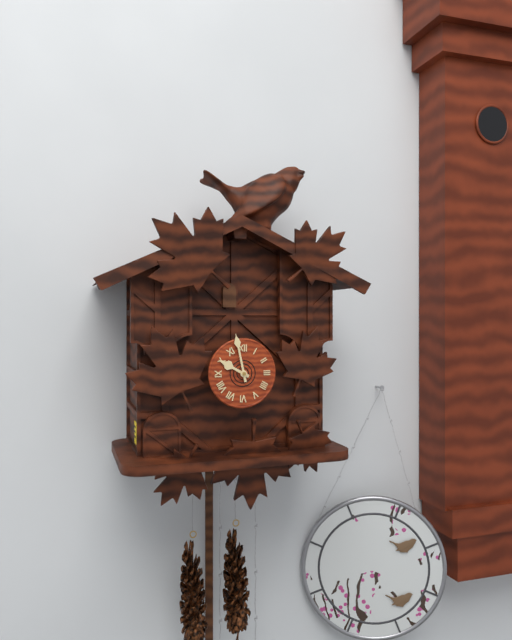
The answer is h=9 m=58
